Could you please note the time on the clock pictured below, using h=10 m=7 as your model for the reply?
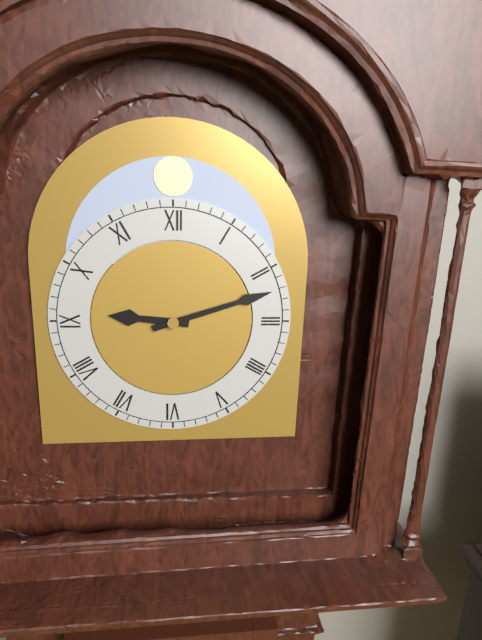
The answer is h=9 m=12
